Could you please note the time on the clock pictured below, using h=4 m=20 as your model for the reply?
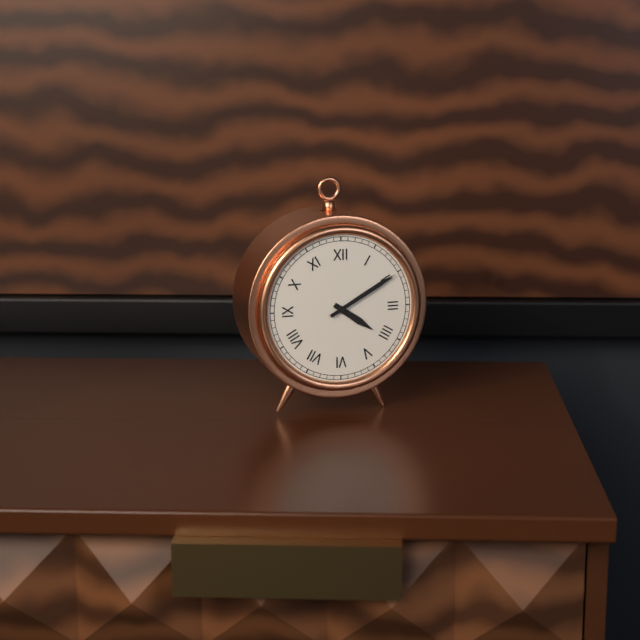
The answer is h=4 m=10
